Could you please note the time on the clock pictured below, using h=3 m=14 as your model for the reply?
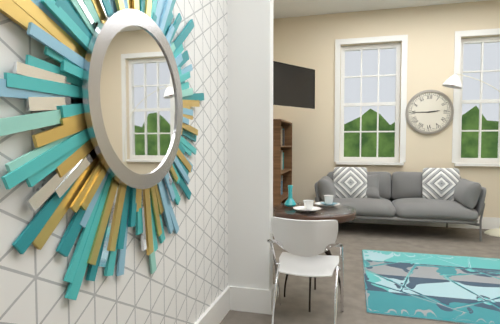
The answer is h=2 m=45
